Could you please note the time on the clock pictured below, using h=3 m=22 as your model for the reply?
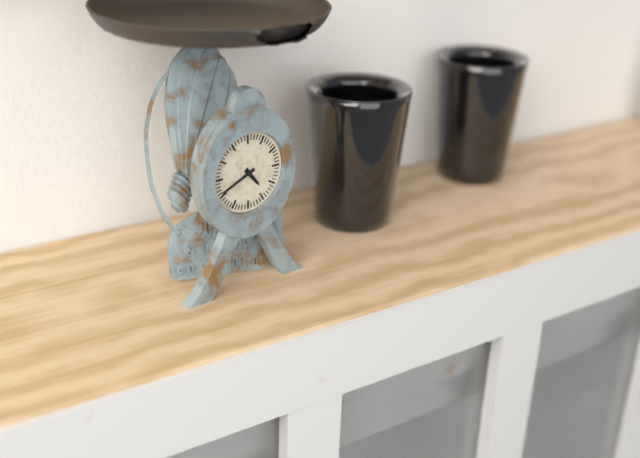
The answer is h=4 m=41
